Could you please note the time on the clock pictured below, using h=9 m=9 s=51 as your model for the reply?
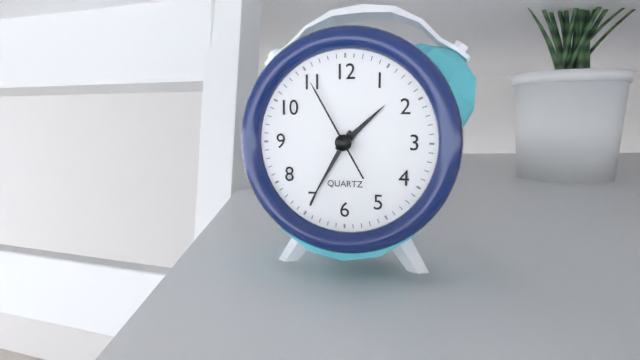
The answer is h=1 m=35 s=55
